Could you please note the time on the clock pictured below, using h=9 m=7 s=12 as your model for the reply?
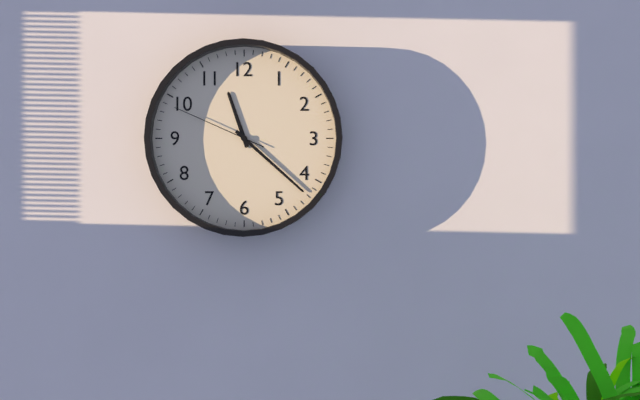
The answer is h=11 m=22 s=49
